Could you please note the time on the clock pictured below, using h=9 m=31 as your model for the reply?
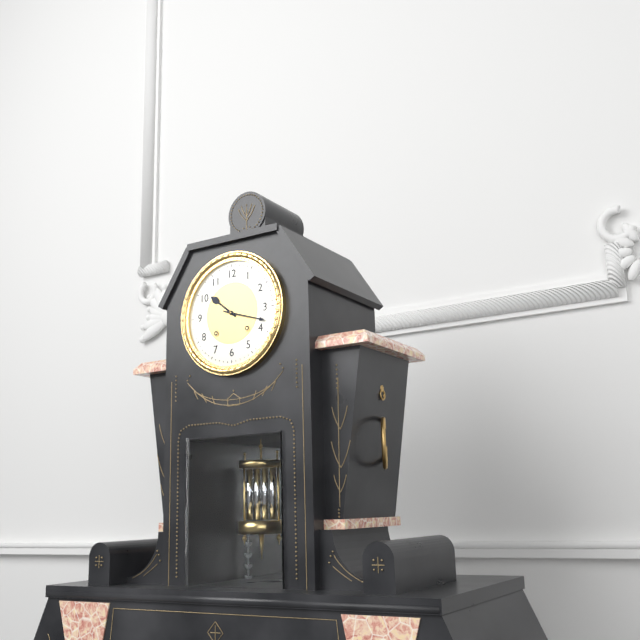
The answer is h=10 m=18
